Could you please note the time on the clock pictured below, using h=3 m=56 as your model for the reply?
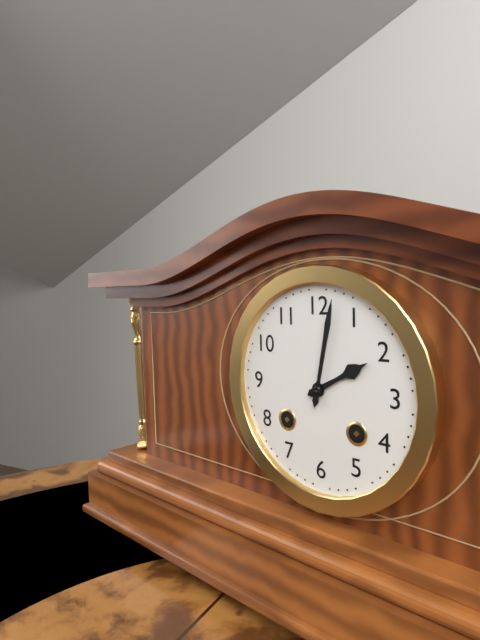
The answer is h=2 m=2
